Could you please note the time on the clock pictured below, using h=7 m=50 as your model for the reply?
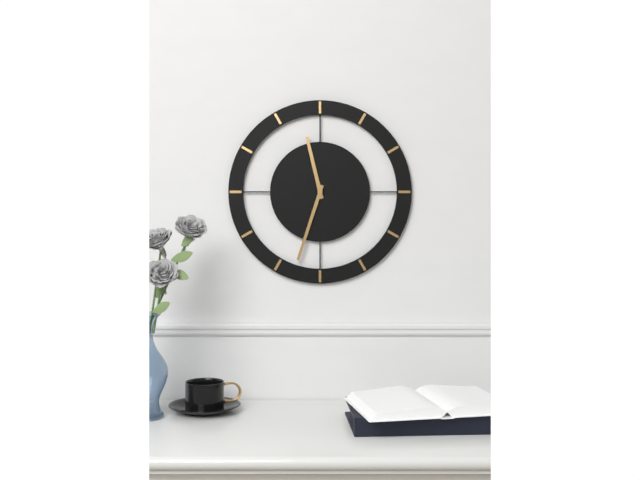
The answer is h=11 m=33
